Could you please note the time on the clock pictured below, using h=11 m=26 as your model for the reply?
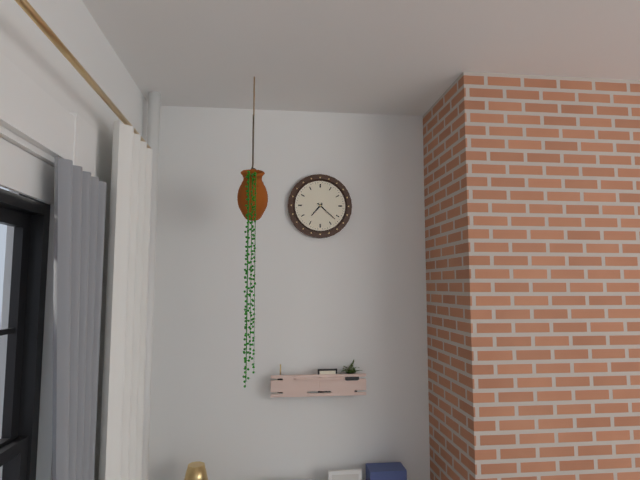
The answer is h=7 m=22
